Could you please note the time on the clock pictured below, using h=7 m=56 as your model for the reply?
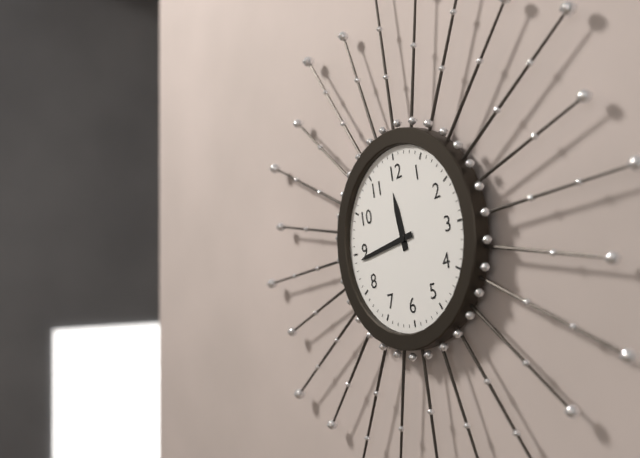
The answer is h=11 m=44
